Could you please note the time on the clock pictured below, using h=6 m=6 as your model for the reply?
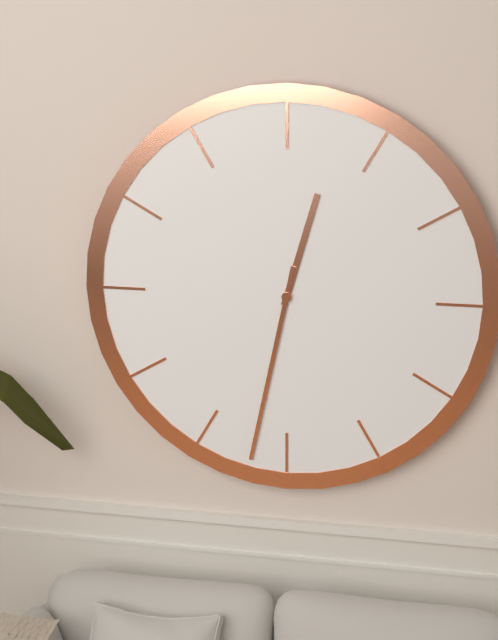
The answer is h=12 m=32
